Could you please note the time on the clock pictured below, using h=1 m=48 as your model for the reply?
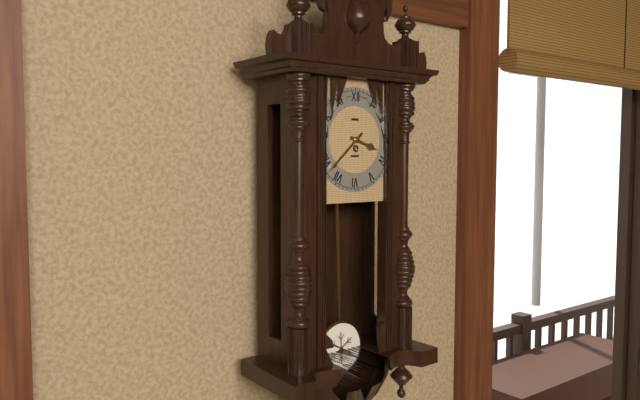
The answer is h=3 m=38
